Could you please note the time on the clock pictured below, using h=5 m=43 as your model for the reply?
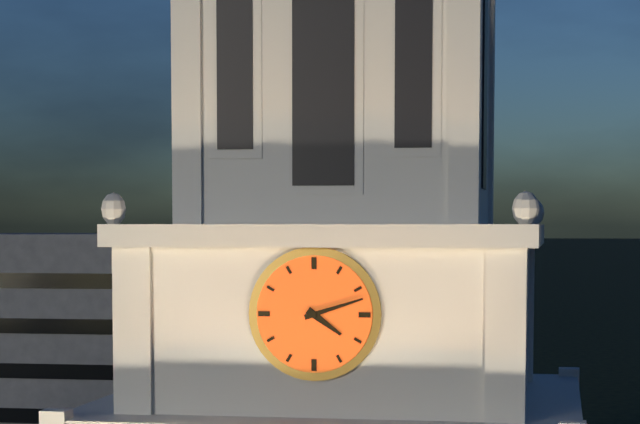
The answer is h=4 m=12
